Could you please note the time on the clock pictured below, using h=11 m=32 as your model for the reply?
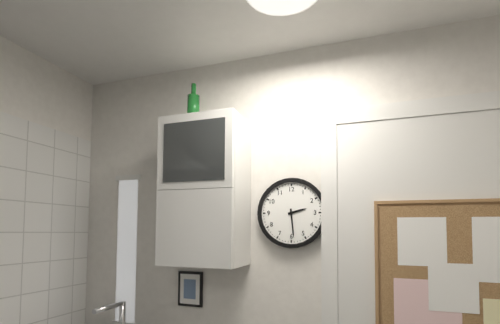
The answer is h=2 m=29
